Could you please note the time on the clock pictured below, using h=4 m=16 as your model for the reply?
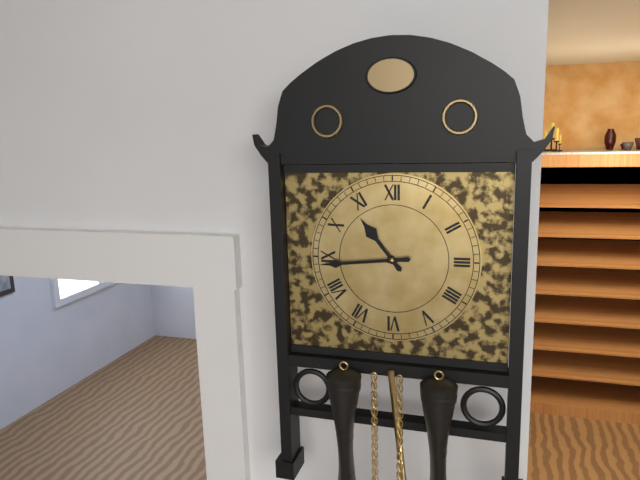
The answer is h=10 m=44
